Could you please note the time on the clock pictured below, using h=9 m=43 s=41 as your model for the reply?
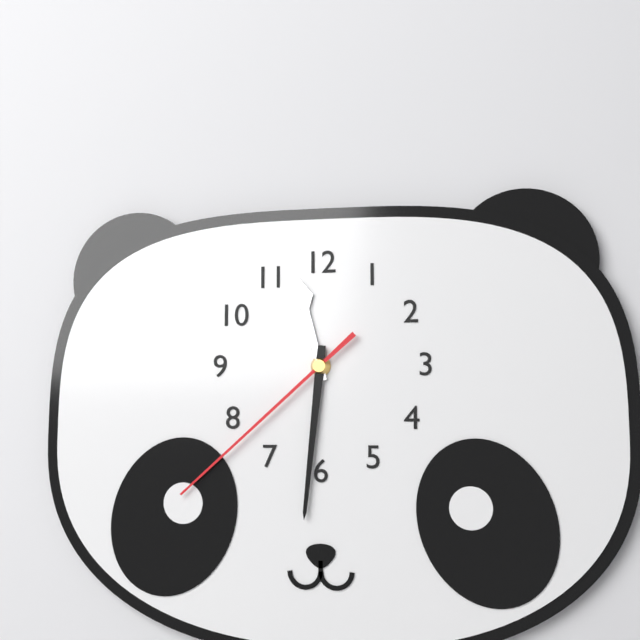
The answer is h=11 m=31 s=38
